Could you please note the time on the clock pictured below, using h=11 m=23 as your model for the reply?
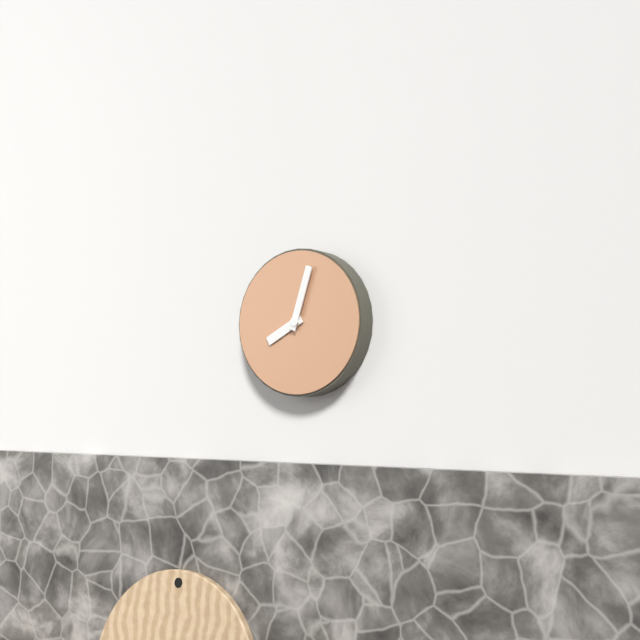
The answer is h=8 m=3
